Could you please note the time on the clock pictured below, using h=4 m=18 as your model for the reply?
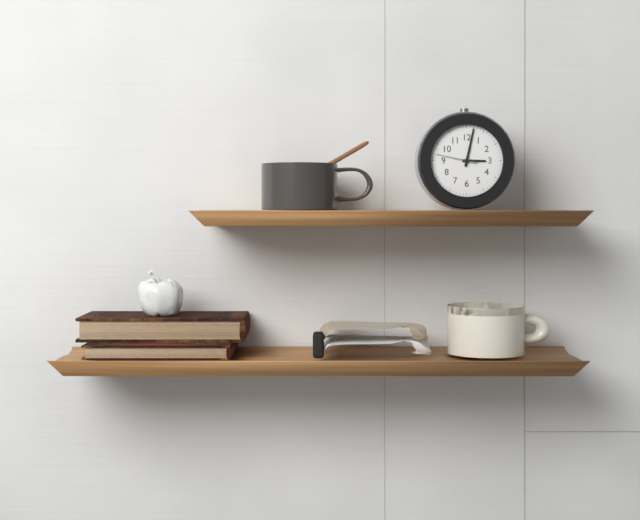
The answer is h=3 m=2
